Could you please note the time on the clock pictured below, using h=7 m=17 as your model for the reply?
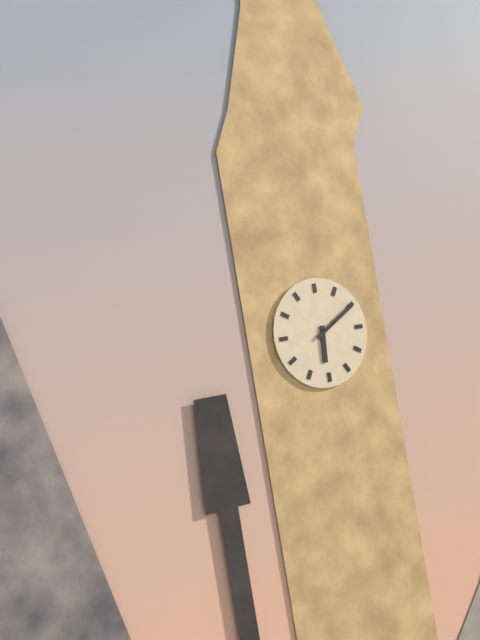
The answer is h=6 m=10
